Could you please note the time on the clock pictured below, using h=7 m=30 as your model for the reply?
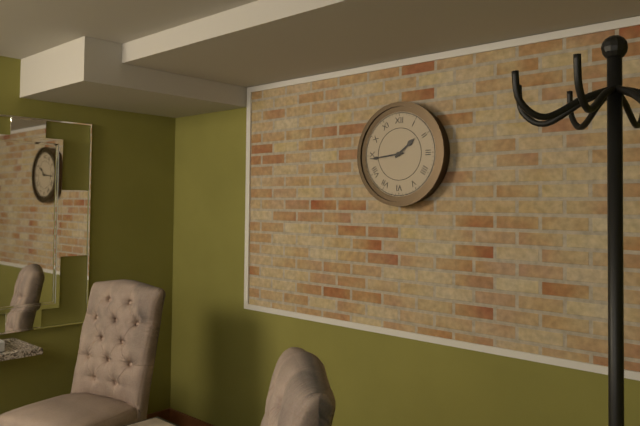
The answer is h=1 m=44
